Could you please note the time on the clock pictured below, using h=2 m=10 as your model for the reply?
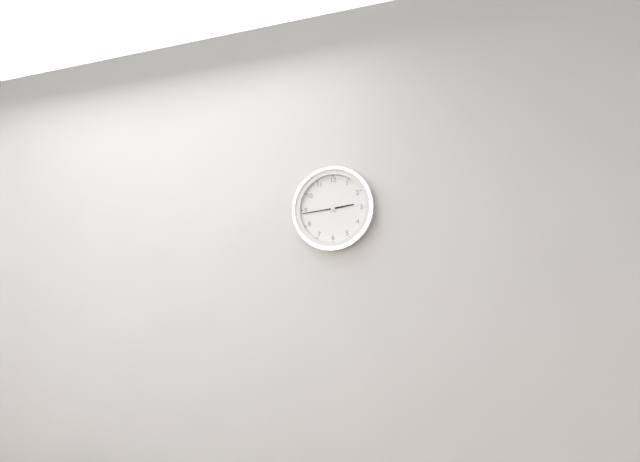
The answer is h=2 m=44
